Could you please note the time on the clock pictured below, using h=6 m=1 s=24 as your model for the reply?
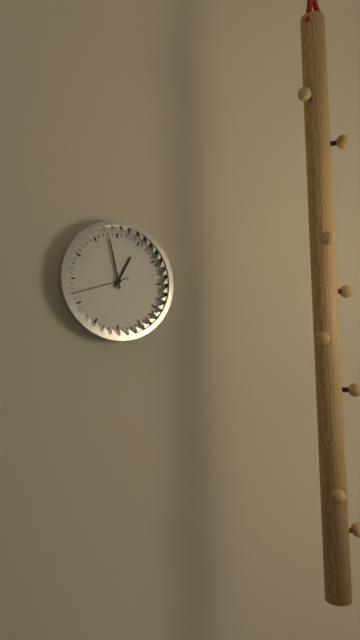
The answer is h=12 m=58 s=42
